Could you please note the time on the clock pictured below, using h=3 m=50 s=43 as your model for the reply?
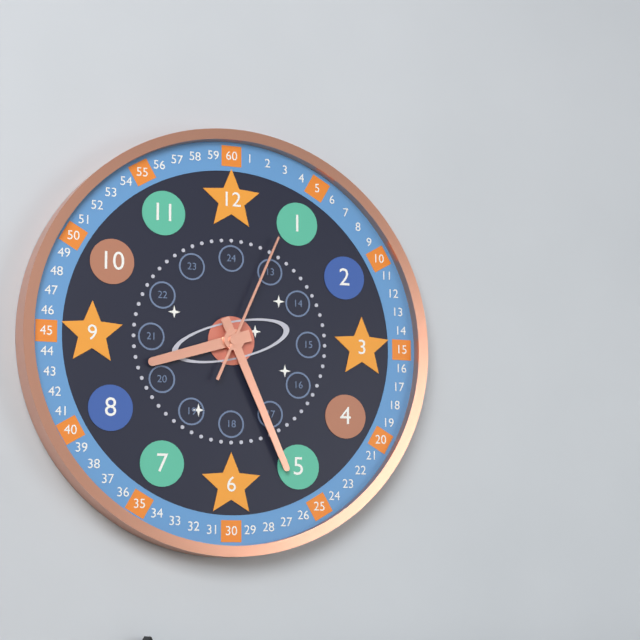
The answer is h=8 m=26 s=4
